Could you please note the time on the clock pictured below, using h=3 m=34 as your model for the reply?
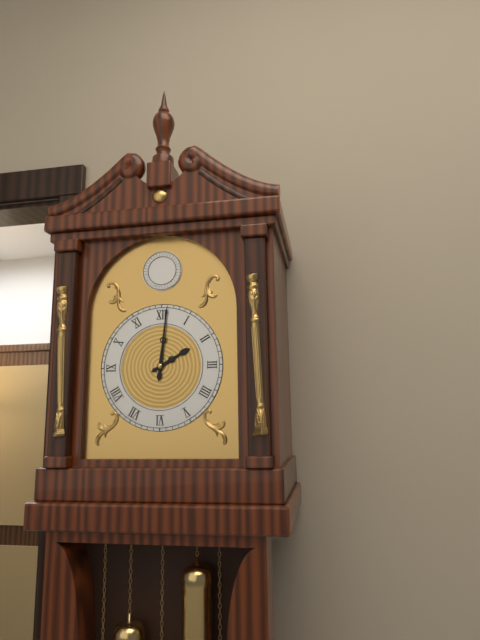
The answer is h=2 m=1
